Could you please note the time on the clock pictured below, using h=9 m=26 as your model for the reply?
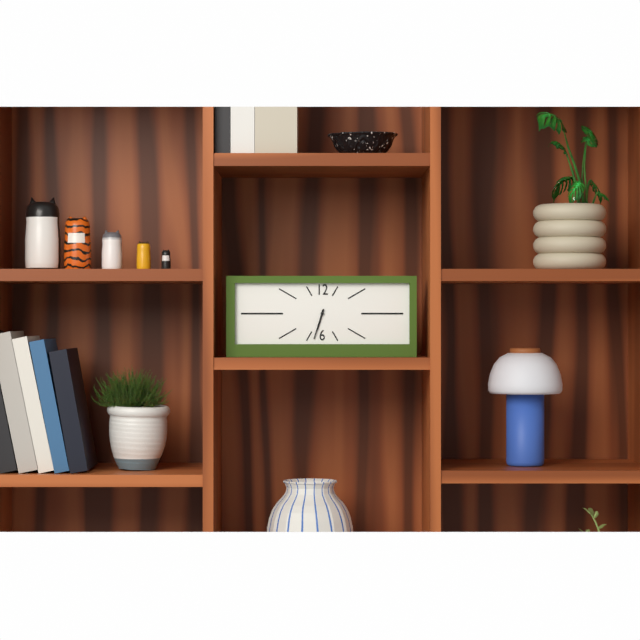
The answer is h=6 m=33
